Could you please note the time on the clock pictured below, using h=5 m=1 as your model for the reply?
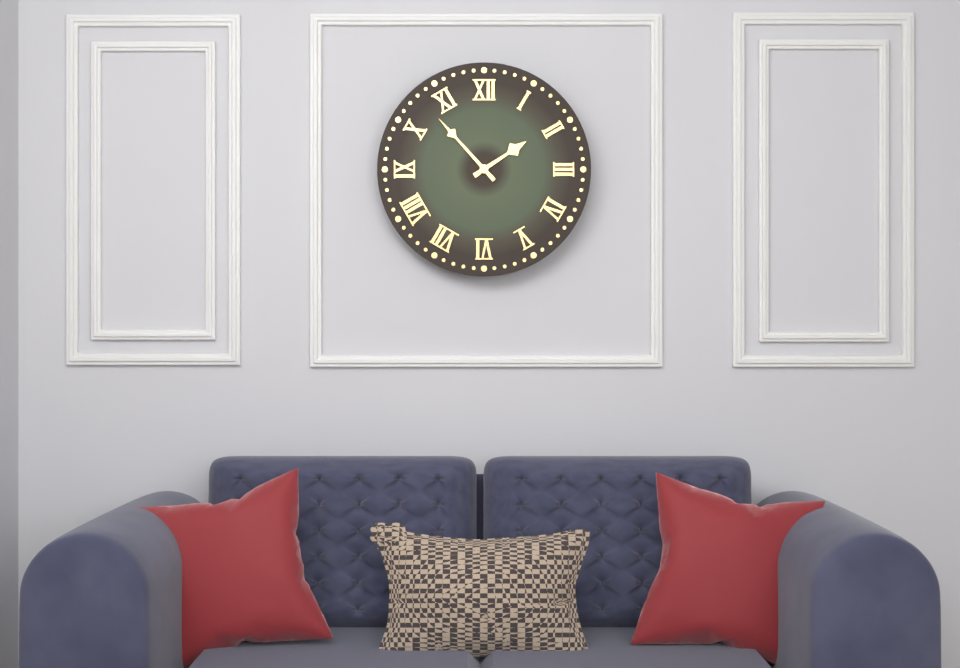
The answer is h=1 m=53
